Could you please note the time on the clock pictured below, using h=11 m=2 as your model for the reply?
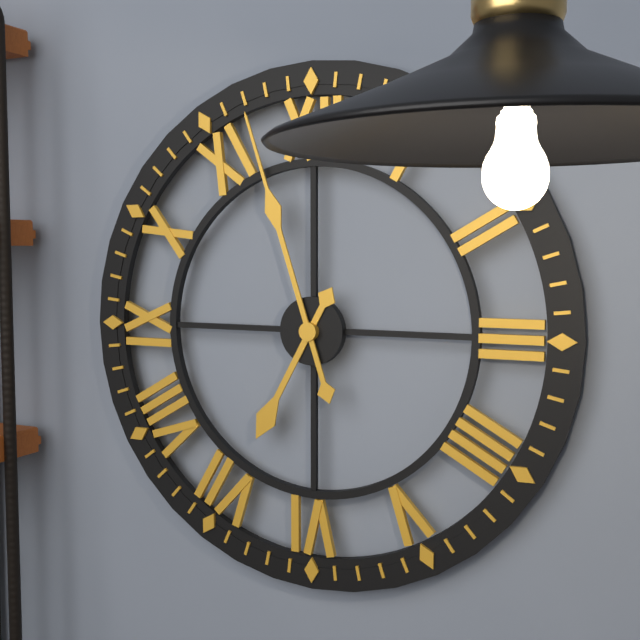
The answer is h=6 m=57
